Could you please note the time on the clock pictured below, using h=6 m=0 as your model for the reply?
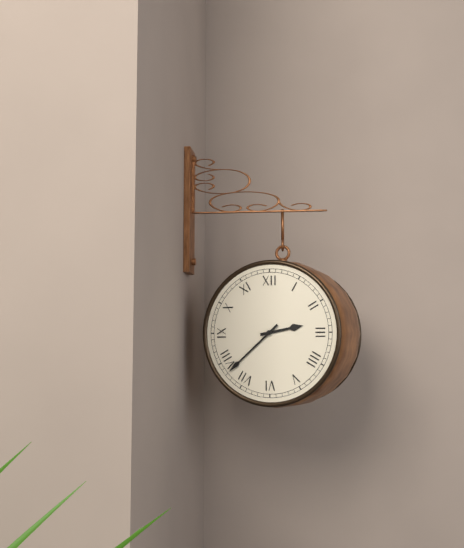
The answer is h=2 m=38
